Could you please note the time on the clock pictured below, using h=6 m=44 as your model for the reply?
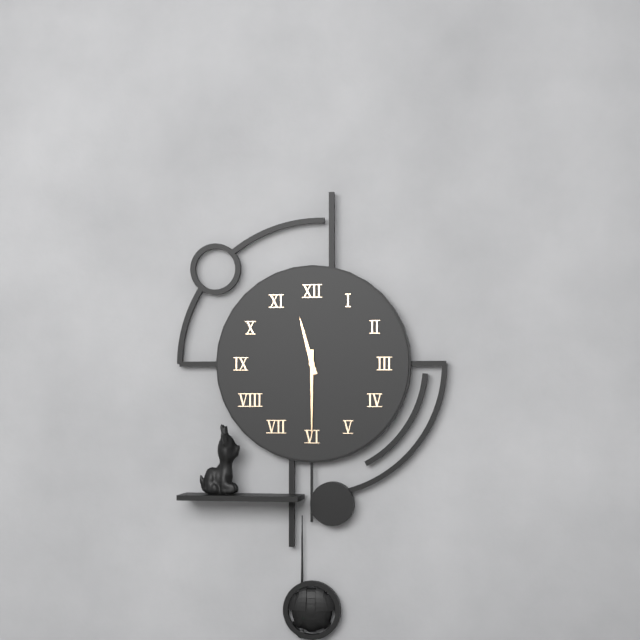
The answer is h=11 m=30
